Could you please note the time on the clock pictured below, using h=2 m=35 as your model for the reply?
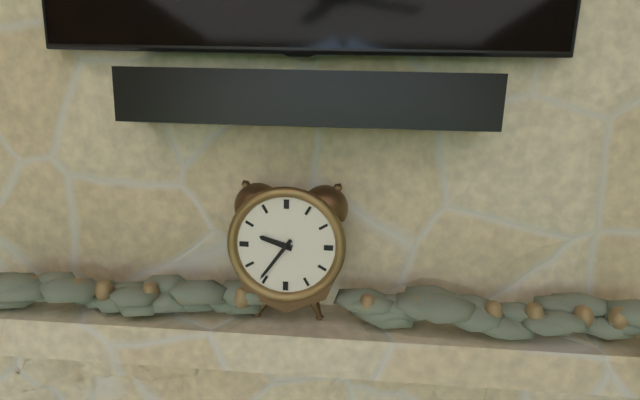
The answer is h=9 m=36
